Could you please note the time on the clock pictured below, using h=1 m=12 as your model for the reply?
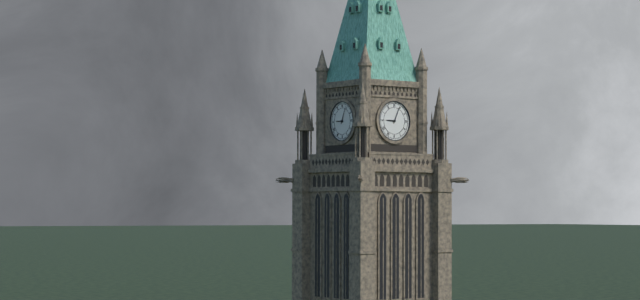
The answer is h=9 m=4
